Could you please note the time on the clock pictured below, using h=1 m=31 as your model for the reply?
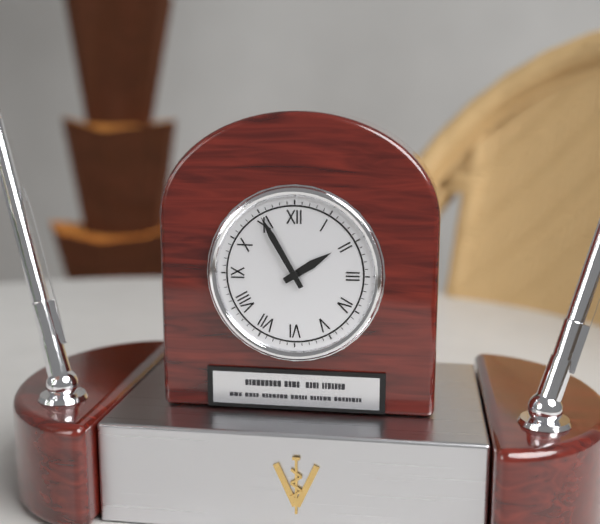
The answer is h=1 m=55
